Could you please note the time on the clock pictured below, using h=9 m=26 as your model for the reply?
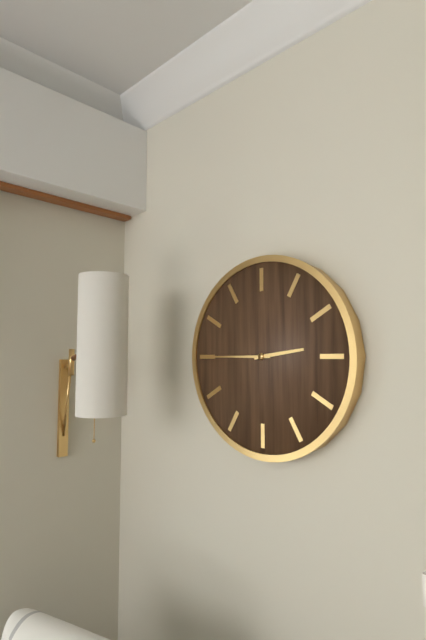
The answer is h=2 m=45
